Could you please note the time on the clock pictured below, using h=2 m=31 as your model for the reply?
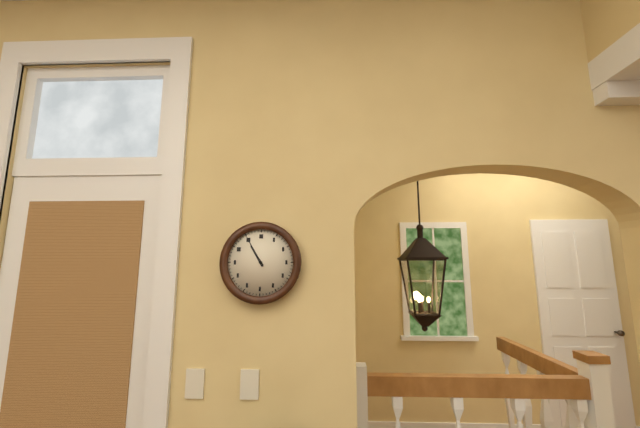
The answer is h=10 m=55
